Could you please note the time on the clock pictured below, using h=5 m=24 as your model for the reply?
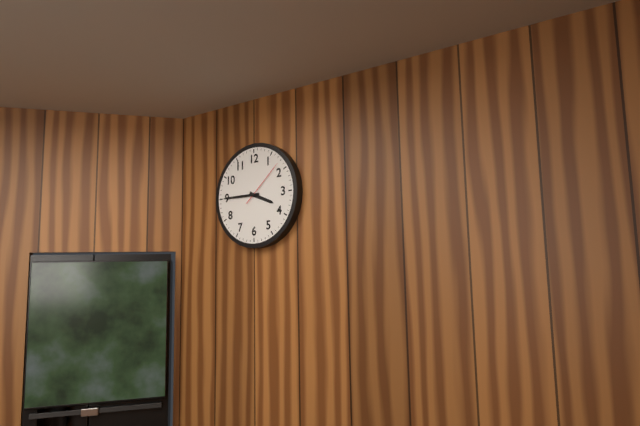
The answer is h=3 m=45
